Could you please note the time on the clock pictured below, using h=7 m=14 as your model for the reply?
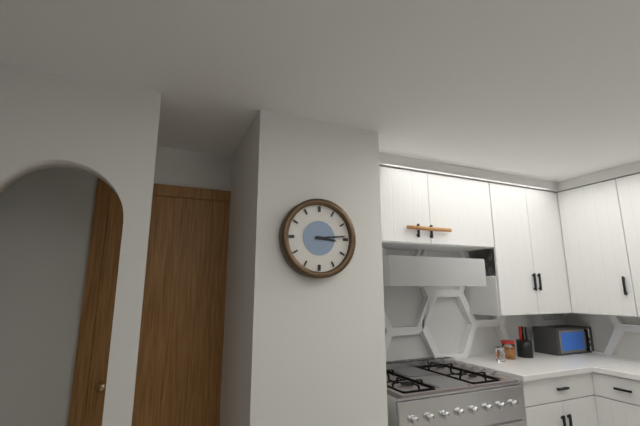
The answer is h=3 m=14
